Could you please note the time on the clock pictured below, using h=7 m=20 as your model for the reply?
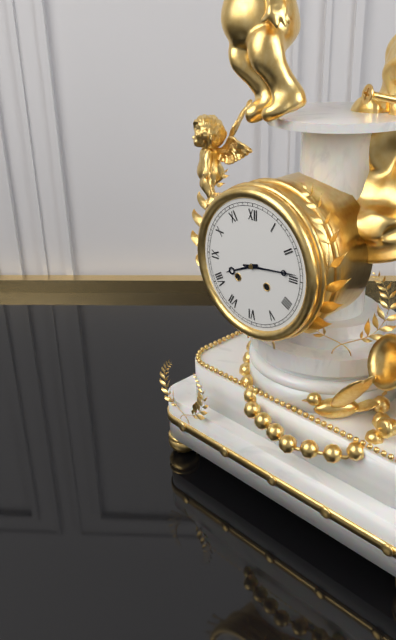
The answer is h=8 m=14
